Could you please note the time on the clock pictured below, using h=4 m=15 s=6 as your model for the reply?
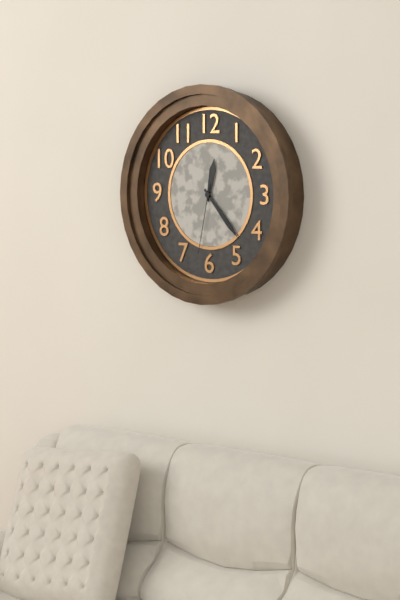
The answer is h=12 m=23 s=32
